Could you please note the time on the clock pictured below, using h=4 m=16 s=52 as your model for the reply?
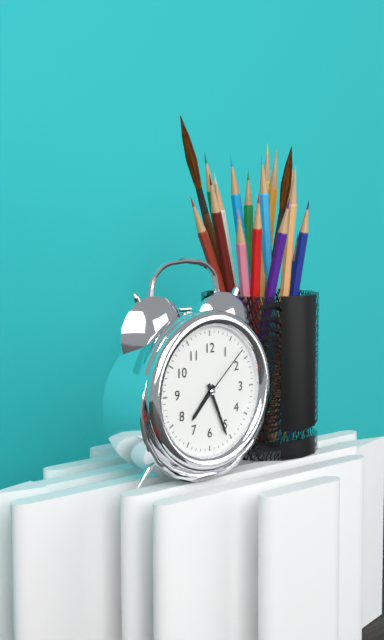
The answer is h=7 m=26 s=8
